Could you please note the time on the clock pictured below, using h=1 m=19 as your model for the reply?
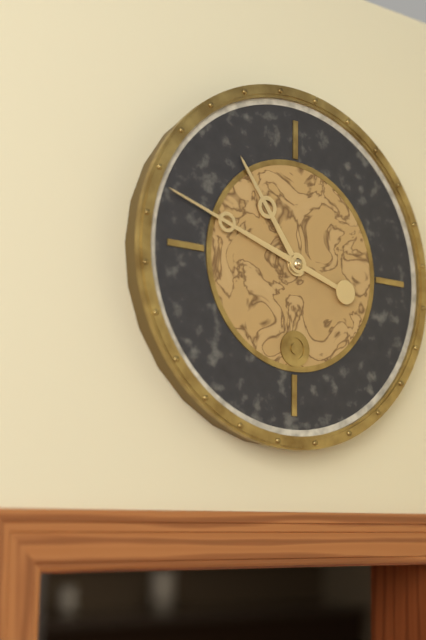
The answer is h=10 m=48
